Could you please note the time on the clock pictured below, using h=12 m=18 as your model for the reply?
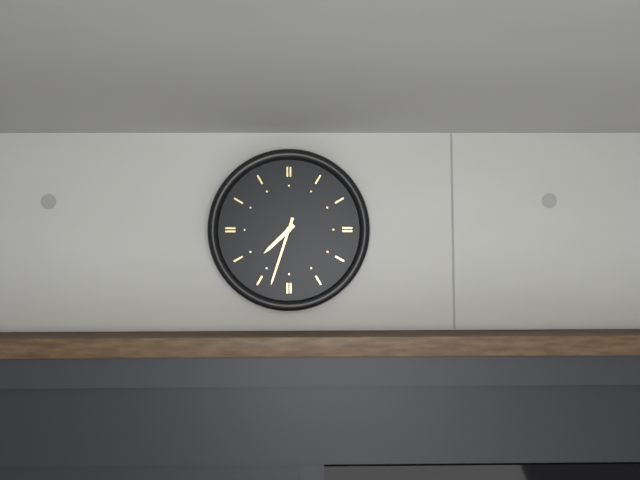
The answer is h=7 m=33
